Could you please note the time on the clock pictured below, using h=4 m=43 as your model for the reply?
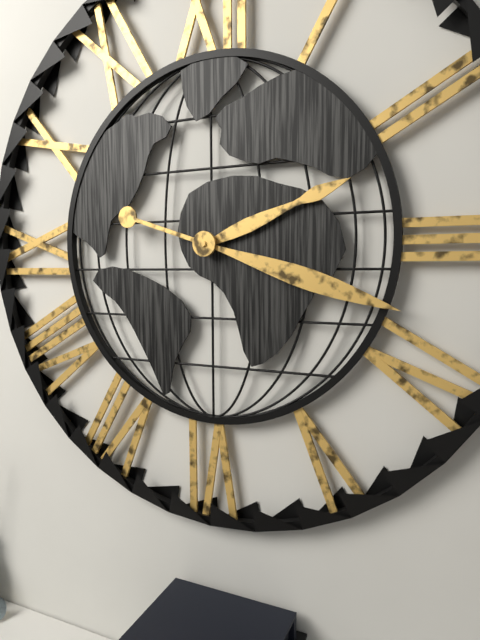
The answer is h=2 m=18
